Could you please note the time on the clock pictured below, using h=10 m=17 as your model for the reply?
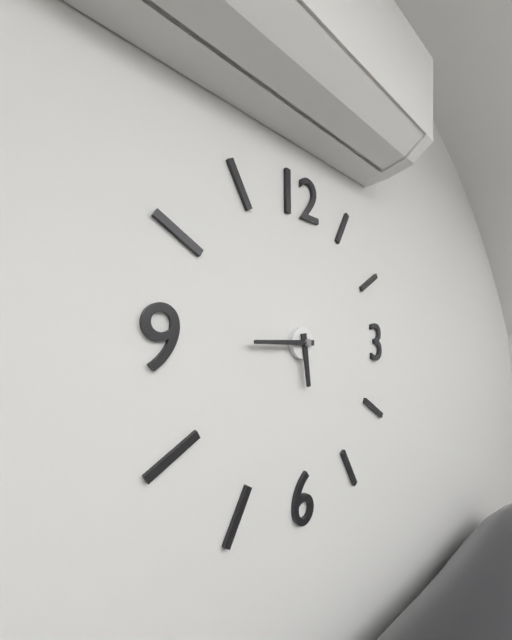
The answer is h=5 m=45
